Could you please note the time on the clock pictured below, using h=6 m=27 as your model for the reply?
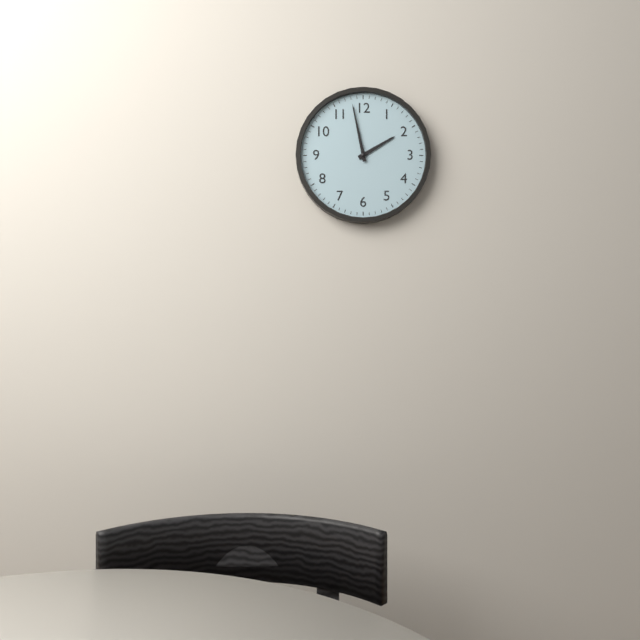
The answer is h=1 m=58
